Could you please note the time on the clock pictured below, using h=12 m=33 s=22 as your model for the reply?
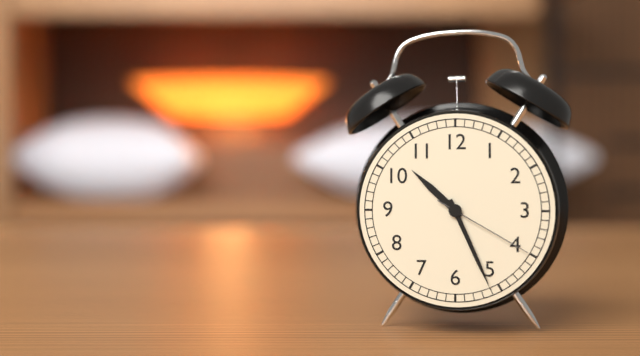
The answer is h=10 m=26 s=20
